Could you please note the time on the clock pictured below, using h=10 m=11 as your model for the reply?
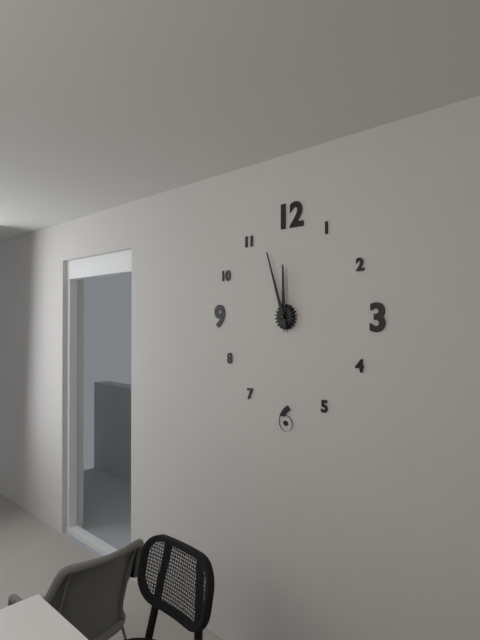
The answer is h=11 m=57
